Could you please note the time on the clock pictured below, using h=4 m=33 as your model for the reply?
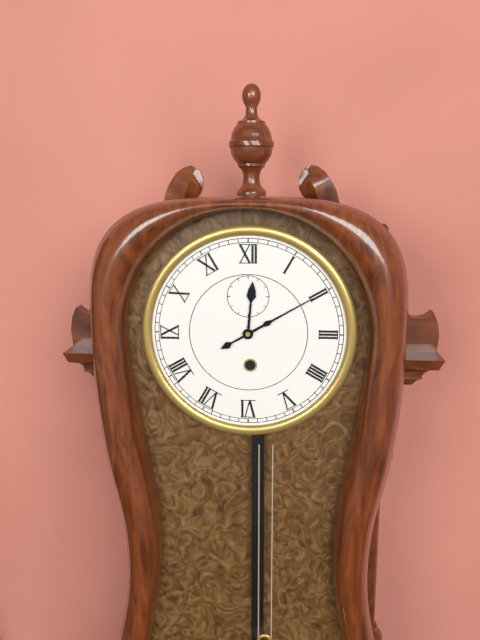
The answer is h=12 m=10
